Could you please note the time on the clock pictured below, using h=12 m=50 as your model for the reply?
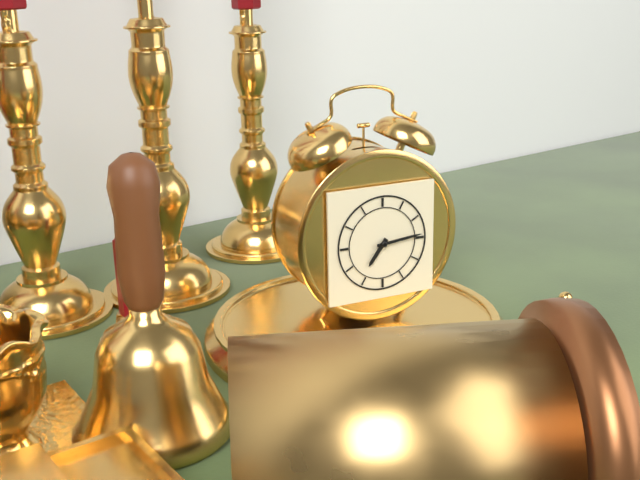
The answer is h=7 m=14
